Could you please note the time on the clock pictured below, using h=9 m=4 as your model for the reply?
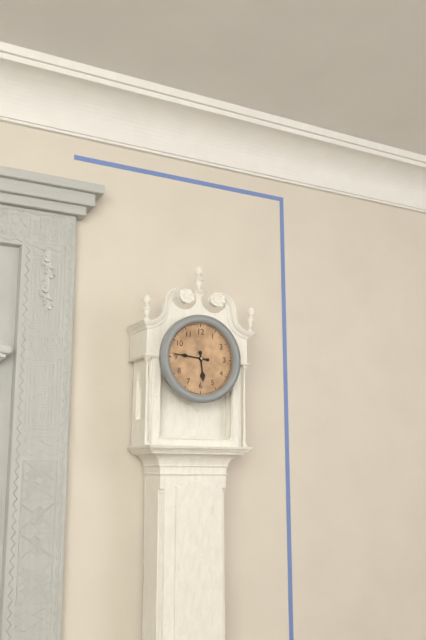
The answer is h=5 m=46
